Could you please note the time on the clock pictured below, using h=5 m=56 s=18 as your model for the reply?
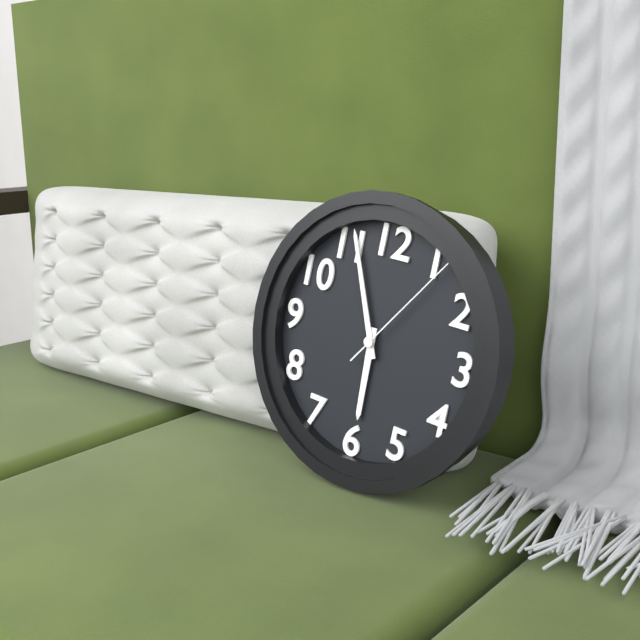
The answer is h=5 m=56 s=6
